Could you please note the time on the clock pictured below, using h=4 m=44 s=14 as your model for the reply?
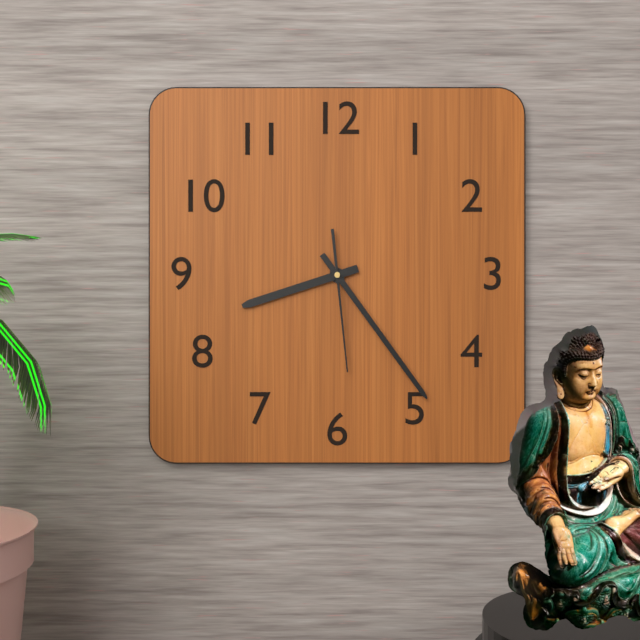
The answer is h=8 m=24 s=29
